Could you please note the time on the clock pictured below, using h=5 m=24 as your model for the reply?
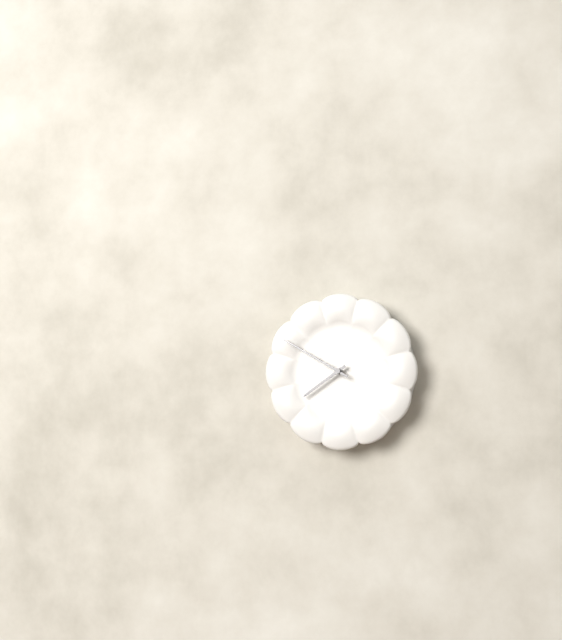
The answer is h=7 m=50
